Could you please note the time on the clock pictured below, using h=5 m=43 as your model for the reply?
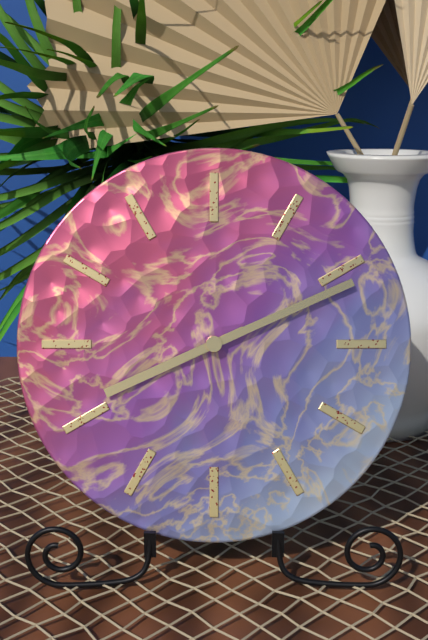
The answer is h=8 m=11
